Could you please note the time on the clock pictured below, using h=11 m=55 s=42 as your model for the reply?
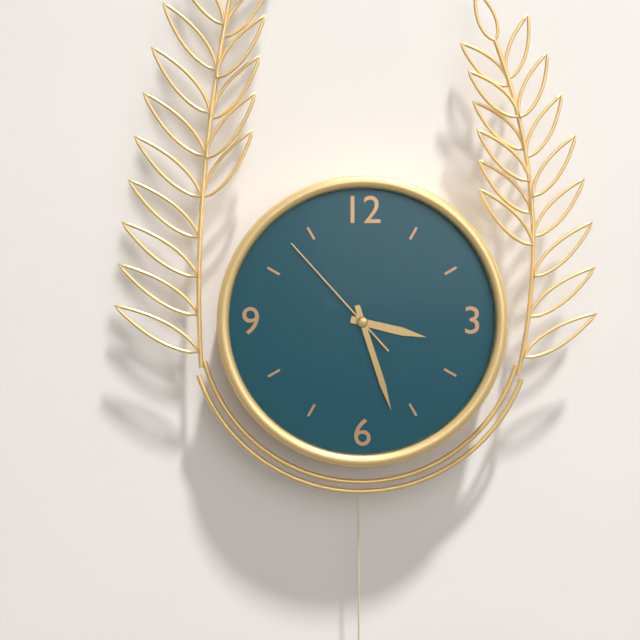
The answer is h=3 m=27 s=53
